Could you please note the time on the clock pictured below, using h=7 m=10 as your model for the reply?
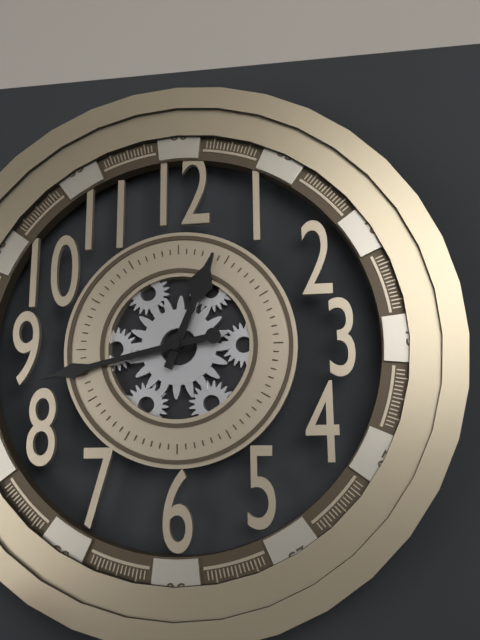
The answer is h=12 m=43
